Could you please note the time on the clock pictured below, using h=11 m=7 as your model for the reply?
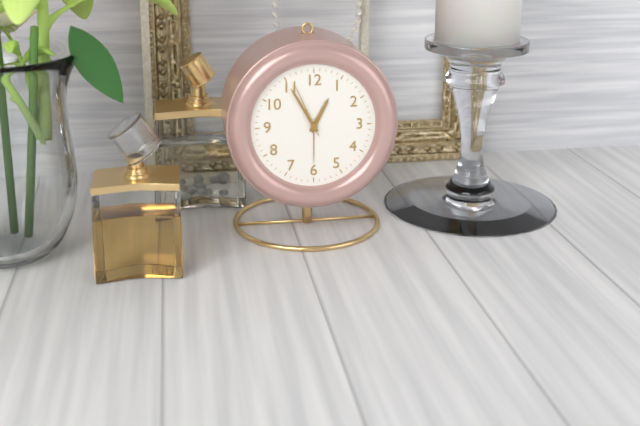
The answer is h=12 m=55
